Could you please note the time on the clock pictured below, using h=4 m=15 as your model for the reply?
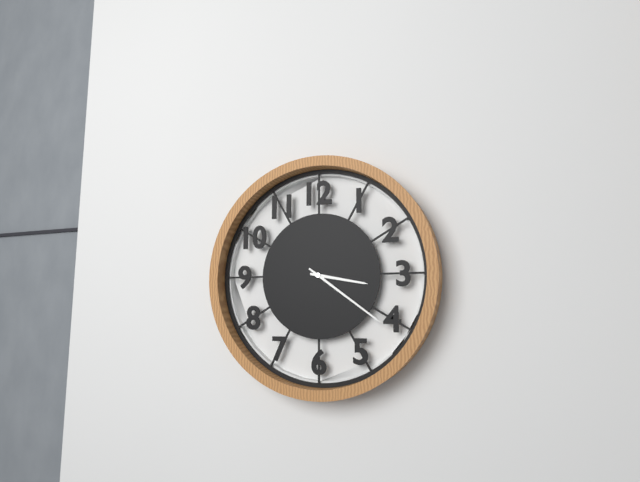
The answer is h=3 m=21
